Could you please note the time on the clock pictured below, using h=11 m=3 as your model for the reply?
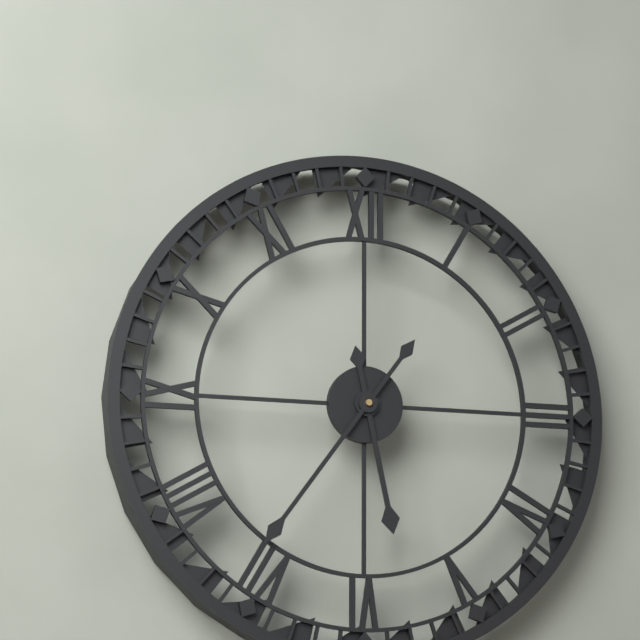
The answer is h=5 m=36
